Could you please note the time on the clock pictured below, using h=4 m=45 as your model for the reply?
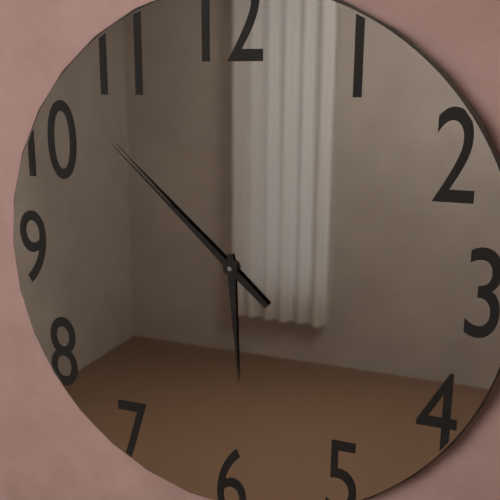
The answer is h=5 m=52
